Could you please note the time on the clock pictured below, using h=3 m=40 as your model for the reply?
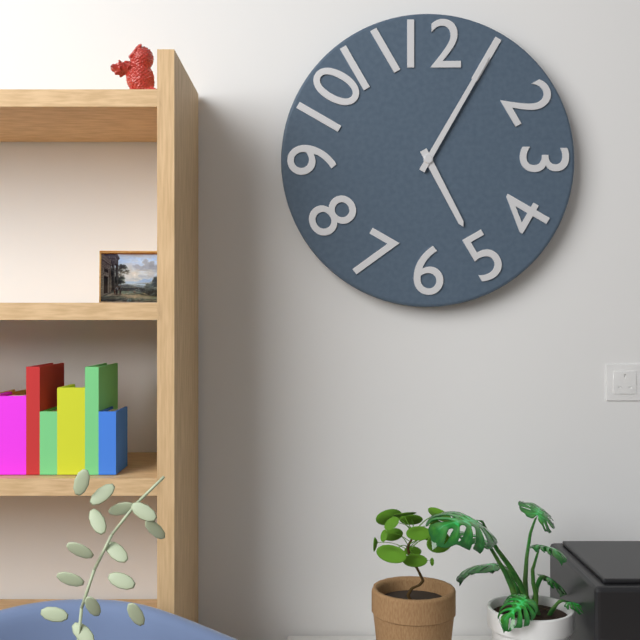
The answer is h=5 m=5
